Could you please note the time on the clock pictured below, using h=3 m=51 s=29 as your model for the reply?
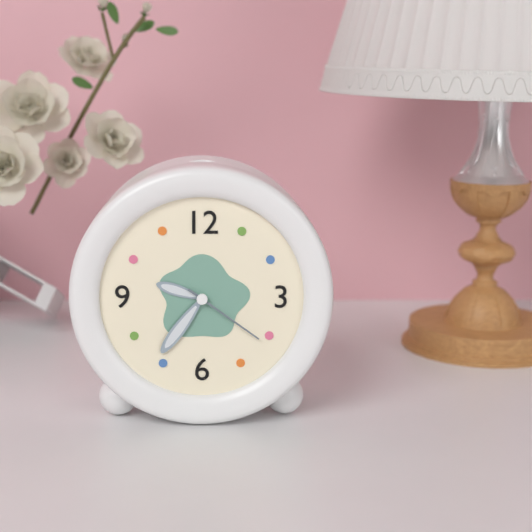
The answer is h=9 m=36 s=21
